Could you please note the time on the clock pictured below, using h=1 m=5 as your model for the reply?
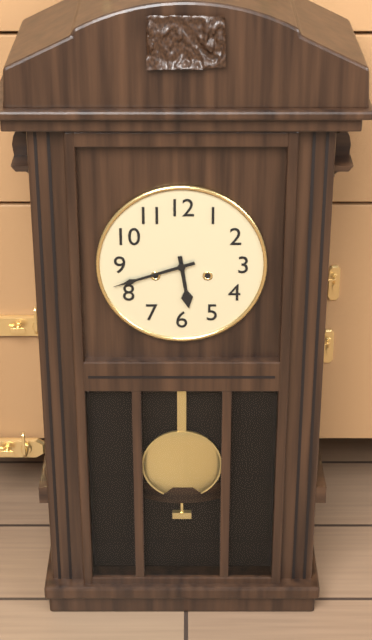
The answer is h=5 m=42
